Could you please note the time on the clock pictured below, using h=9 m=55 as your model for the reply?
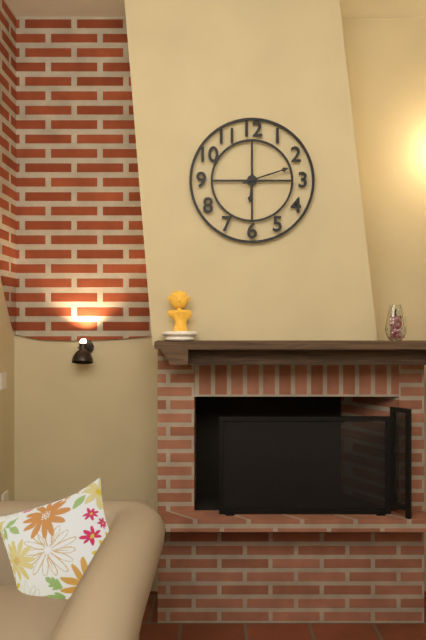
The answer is h=6 m=12
